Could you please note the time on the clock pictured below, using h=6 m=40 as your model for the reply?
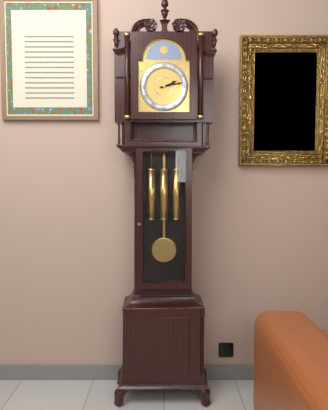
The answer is h=2 m=13
